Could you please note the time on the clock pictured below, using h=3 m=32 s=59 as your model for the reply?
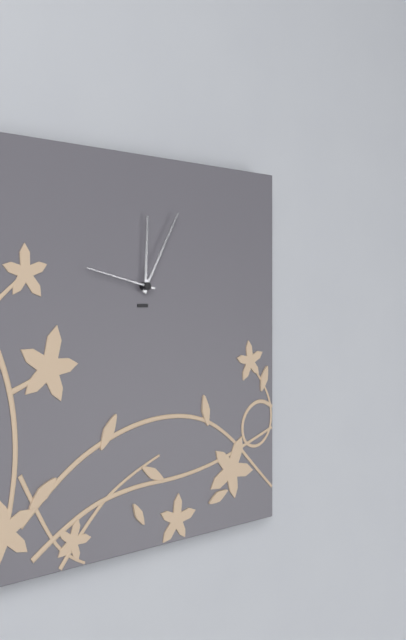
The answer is h=12 m=5 s=47
